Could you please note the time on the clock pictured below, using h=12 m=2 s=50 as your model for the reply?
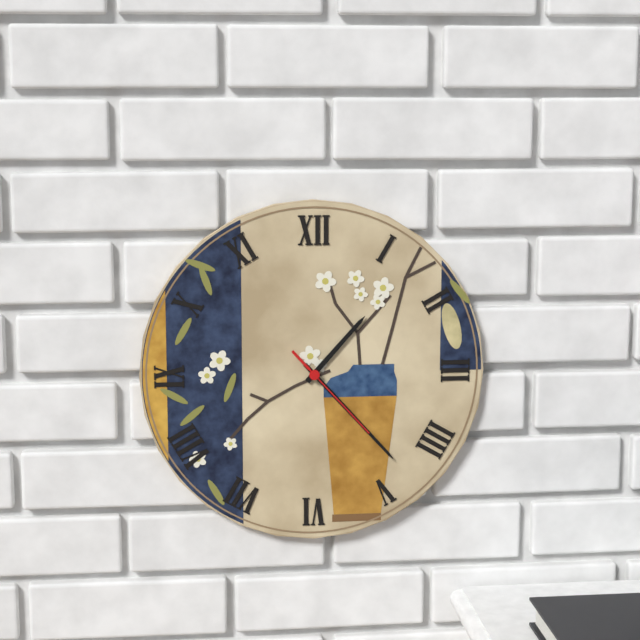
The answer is h=1 m=23 s=23
